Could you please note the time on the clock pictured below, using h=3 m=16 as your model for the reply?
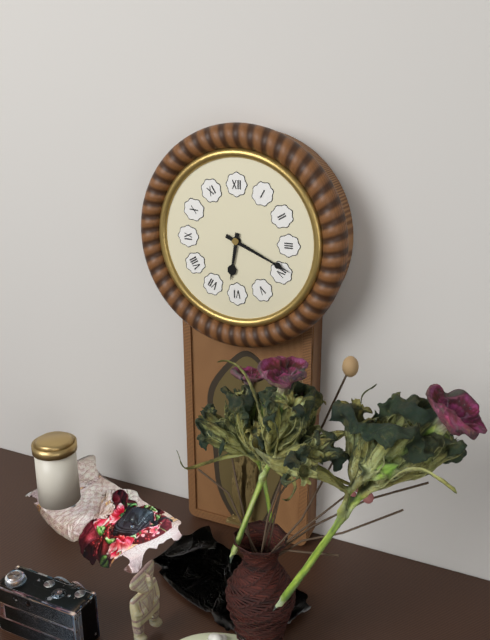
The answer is h=6 m=19
